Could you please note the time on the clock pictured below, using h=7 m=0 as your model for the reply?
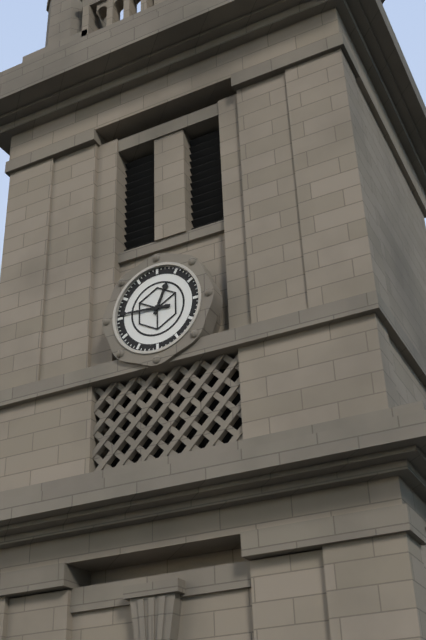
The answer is h=12 m=46
